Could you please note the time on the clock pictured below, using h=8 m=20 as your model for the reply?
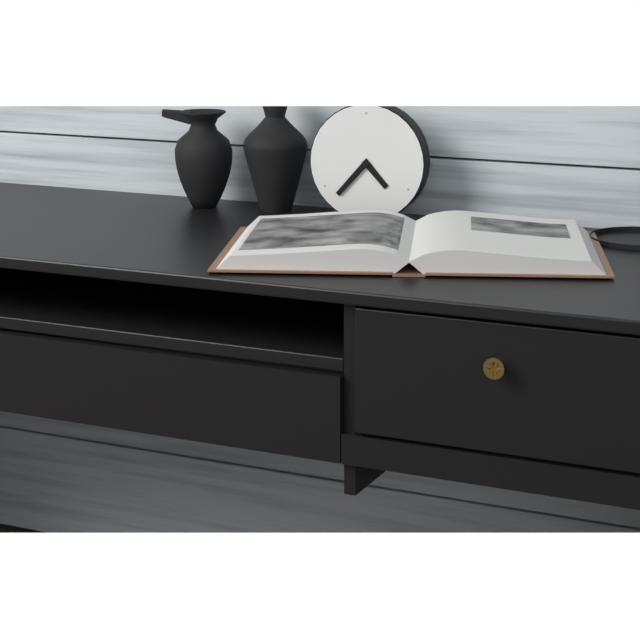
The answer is h=4 m=37
